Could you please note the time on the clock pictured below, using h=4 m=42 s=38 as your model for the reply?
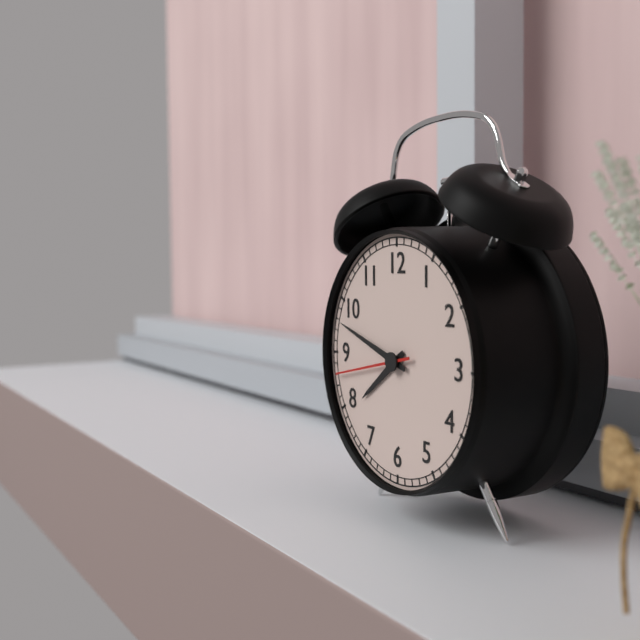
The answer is h=7 m=48 s=43
